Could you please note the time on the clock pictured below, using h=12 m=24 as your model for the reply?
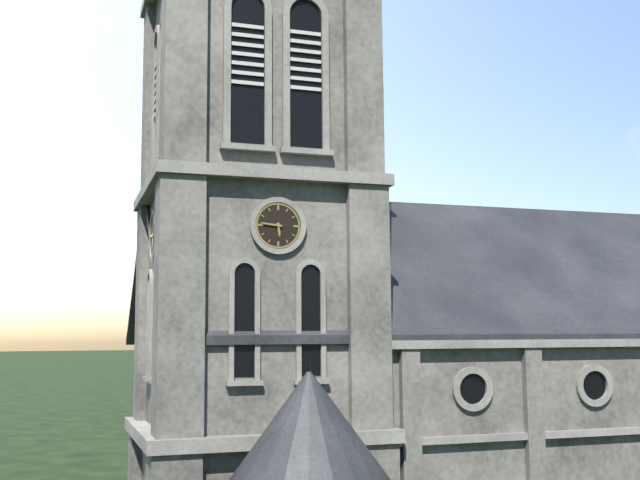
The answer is h=5 m=46
